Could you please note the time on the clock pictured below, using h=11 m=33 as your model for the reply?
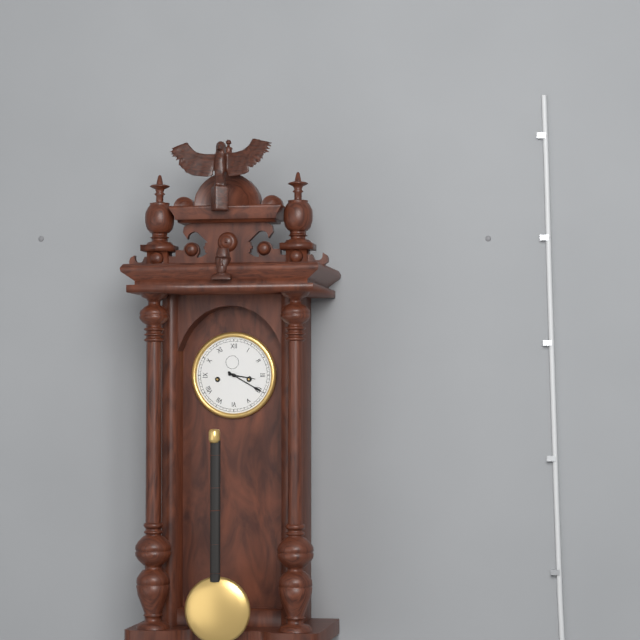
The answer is h=3 m=20
